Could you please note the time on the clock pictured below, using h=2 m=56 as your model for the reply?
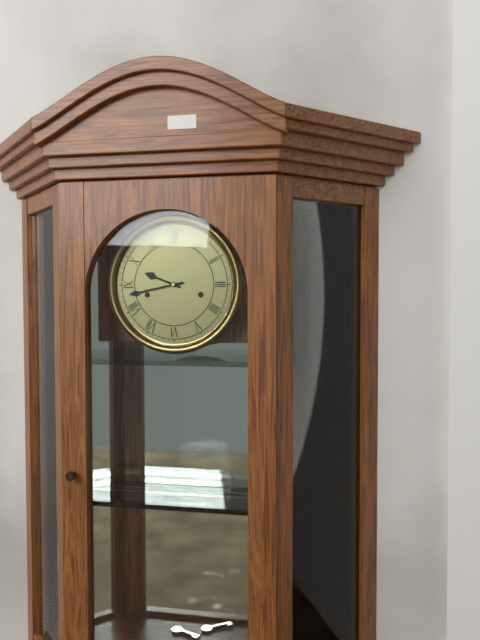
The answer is h=9 m=43
